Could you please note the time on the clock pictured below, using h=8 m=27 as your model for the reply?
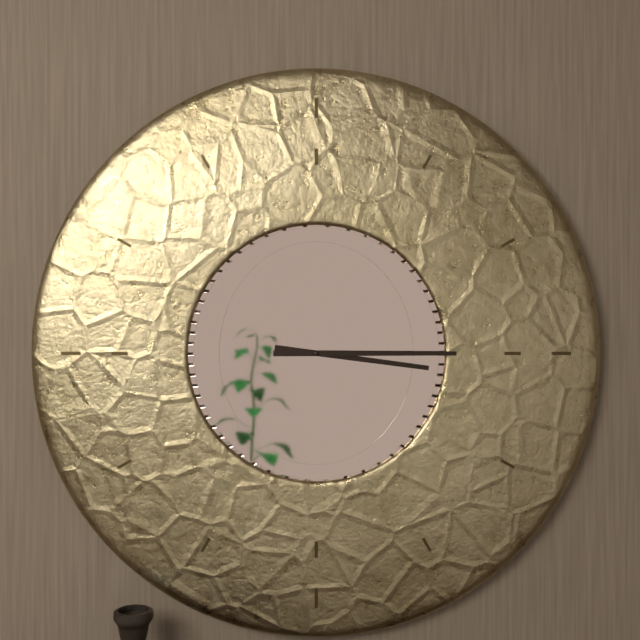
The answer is h=3 m=15
